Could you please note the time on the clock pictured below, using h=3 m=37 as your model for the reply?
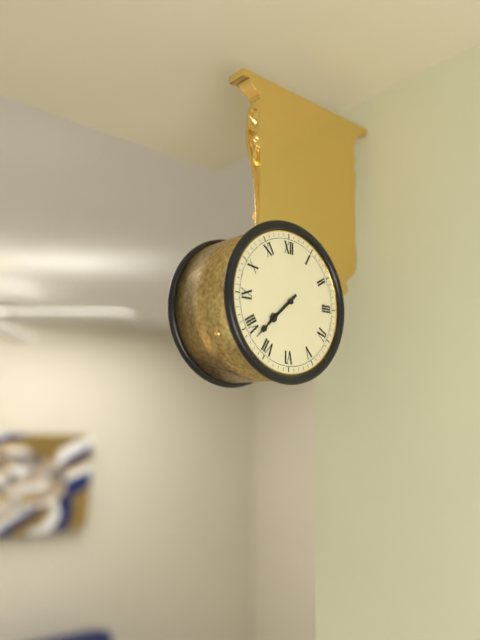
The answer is h=7 m=38
